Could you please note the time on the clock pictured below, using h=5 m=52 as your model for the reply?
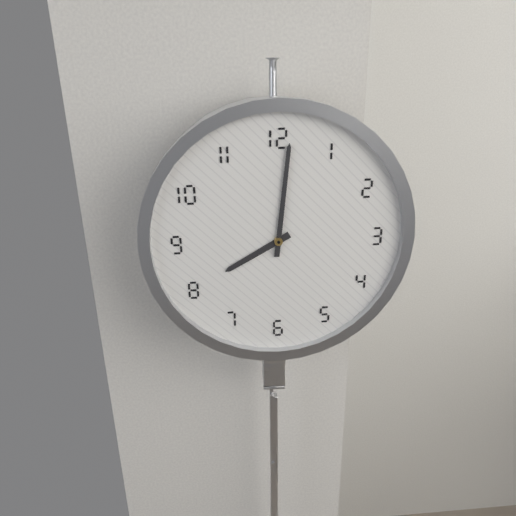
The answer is h=8 m=1
